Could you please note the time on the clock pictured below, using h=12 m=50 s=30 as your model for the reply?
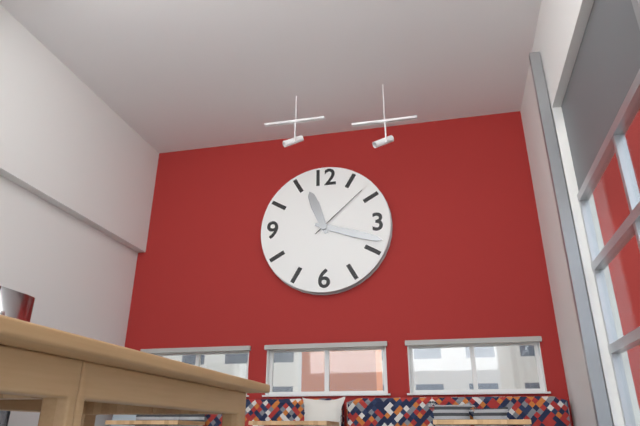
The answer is h=11 m=18 s=8
